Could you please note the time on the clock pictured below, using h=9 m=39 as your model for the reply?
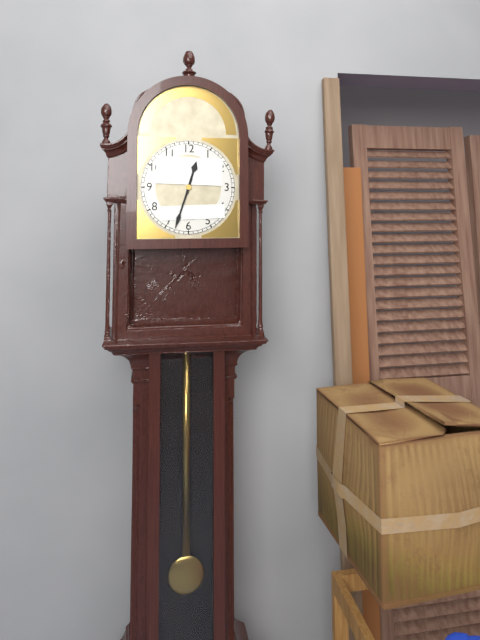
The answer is h=12 m=33
